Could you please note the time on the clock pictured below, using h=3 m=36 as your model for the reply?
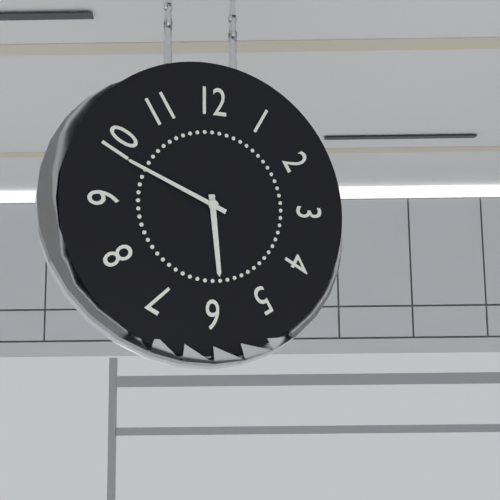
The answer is h=5 m=49
